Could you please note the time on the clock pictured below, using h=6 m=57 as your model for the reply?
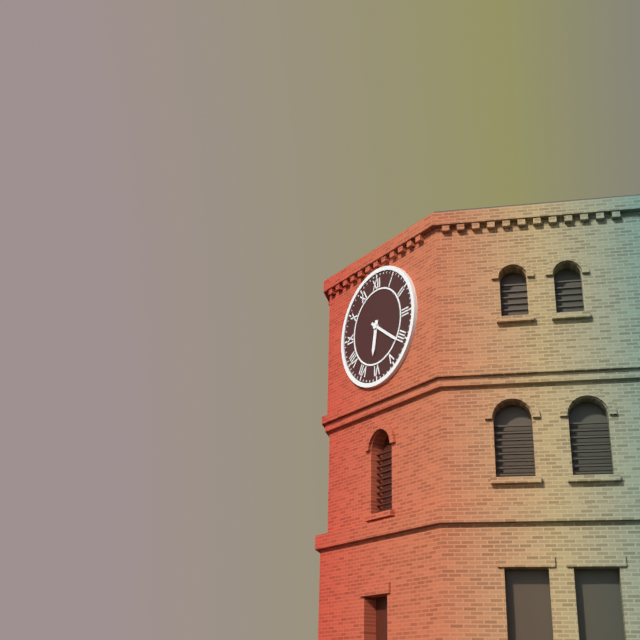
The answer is h=6 m=21
